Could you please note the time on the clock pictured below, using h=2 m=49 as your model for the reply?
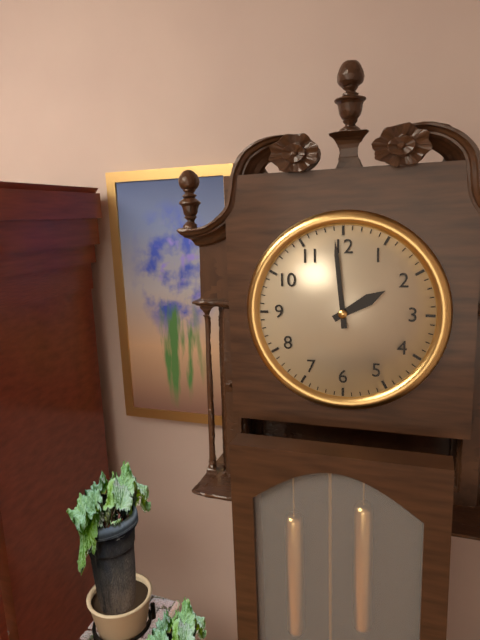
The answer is h=1 m=59
